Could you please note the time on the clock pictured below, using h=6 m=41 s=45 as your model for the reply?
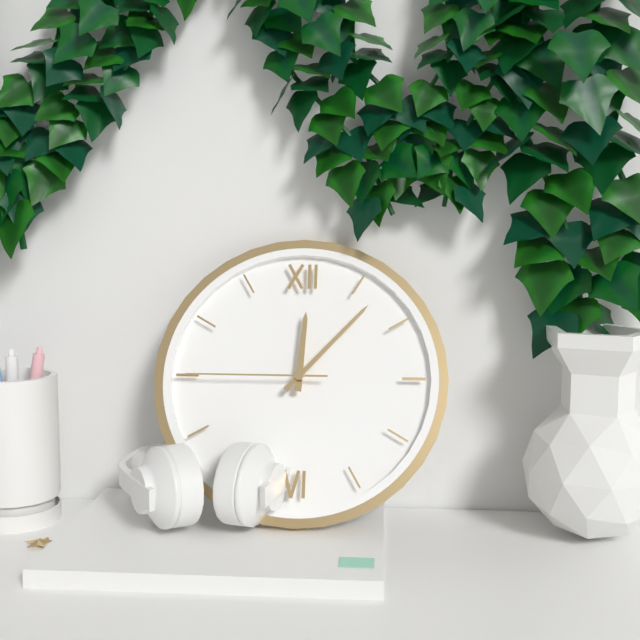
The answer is h=12 m=7 s=45
